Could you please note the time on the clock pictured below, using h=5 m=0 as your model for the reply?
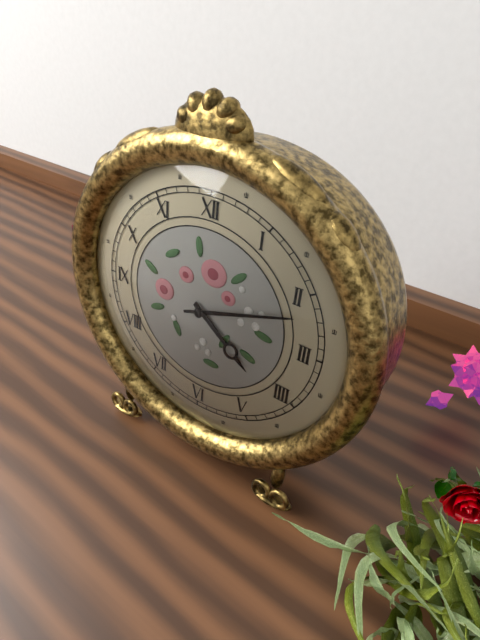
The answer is h=4 m=12
